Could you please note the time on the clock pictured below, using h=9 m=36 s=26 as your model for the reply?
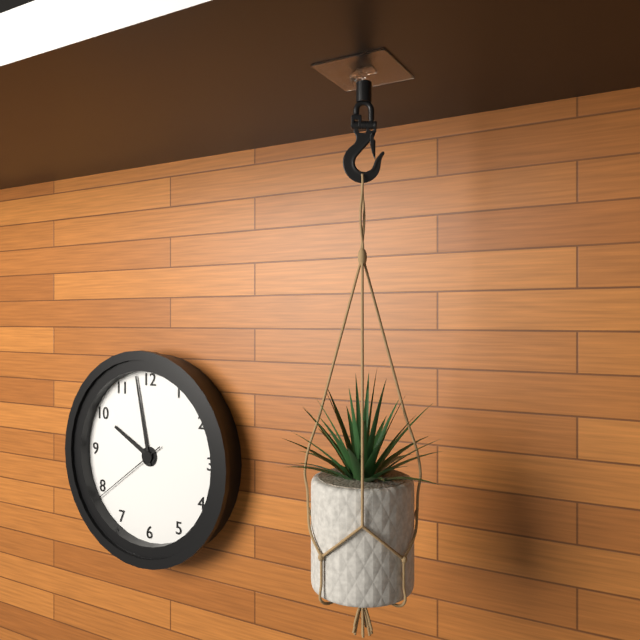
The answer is h=9 m=58 s=39
